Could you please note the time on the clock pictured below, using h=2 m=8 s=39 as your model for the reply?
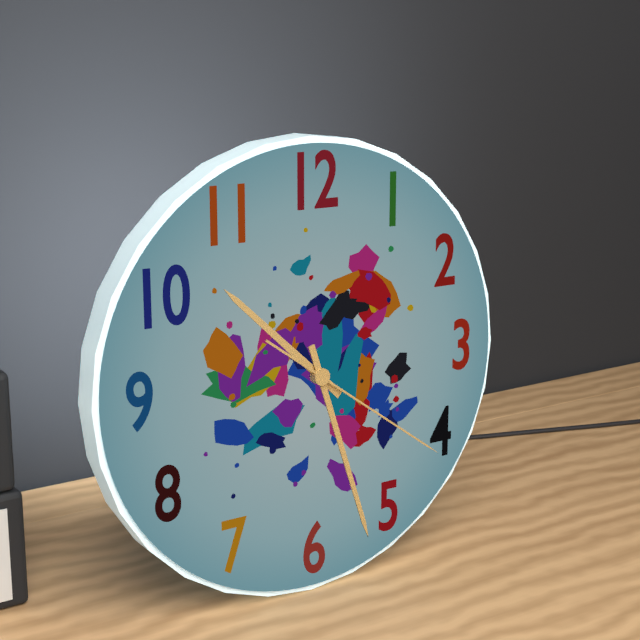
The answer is h=10 m=27 s=21
